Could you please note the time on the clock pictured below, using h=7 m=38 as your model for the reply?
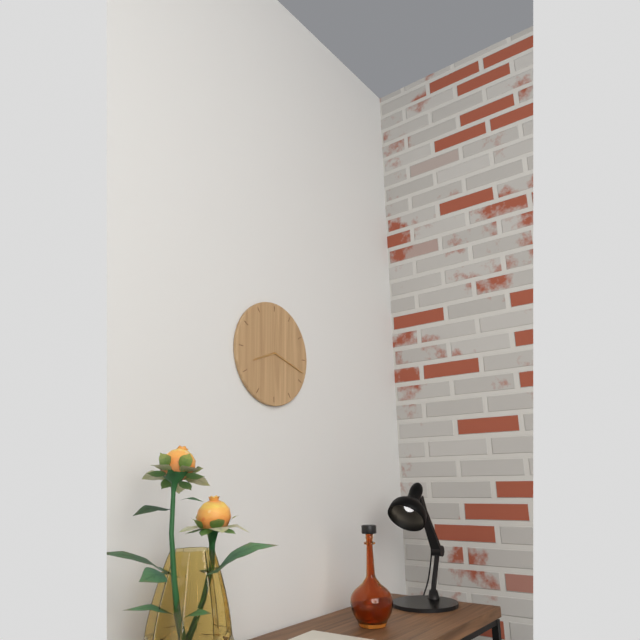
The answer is h=8 m=18
